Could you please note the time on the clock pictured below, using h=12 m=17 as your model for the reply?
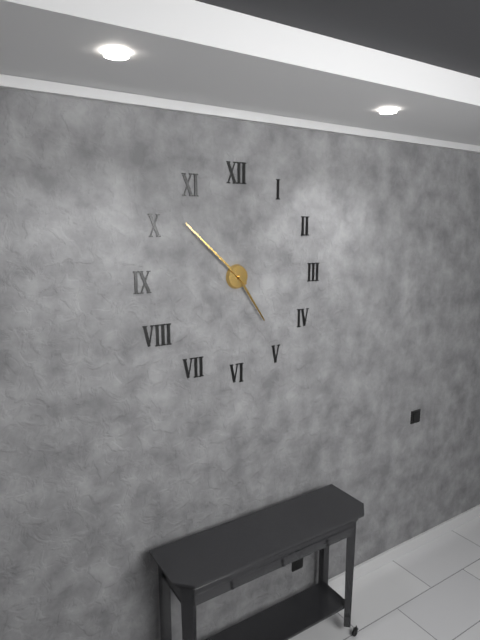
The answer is h=4 m=52
